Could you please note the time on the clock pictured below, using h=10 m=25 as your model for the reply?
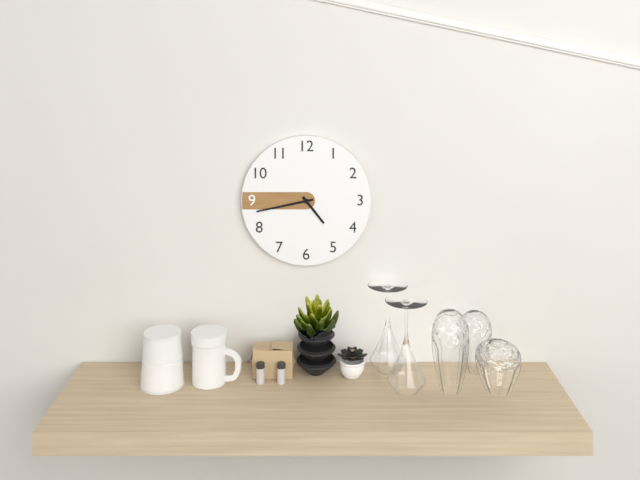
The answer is h=4 m=43
